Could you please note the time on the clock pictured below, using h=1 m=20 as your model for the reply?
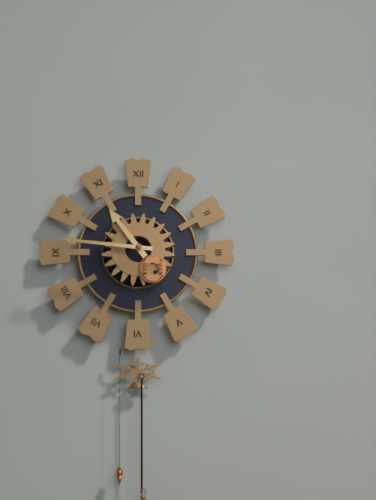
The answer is h=10 m=46
